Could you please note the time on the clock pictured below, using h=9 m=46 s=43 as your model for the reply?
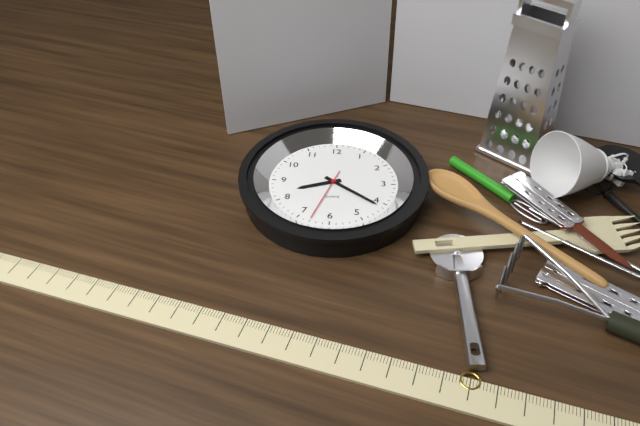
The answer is h=8 m=21 s=33
